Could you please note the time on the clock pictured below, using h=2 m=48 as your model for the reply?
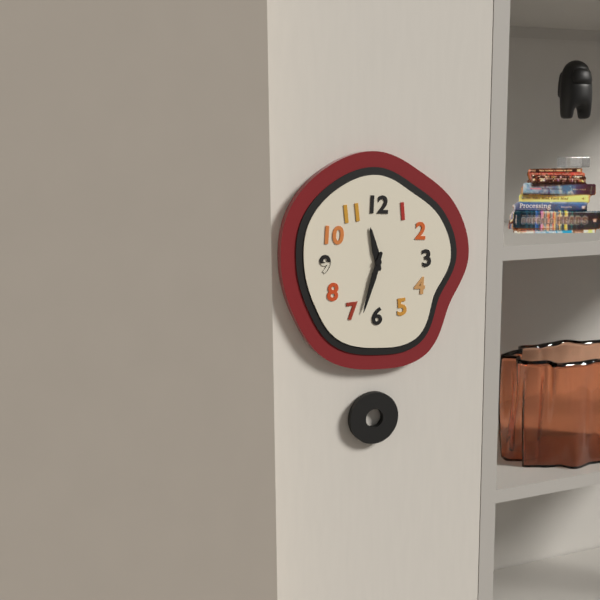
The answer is h=11 m=33
